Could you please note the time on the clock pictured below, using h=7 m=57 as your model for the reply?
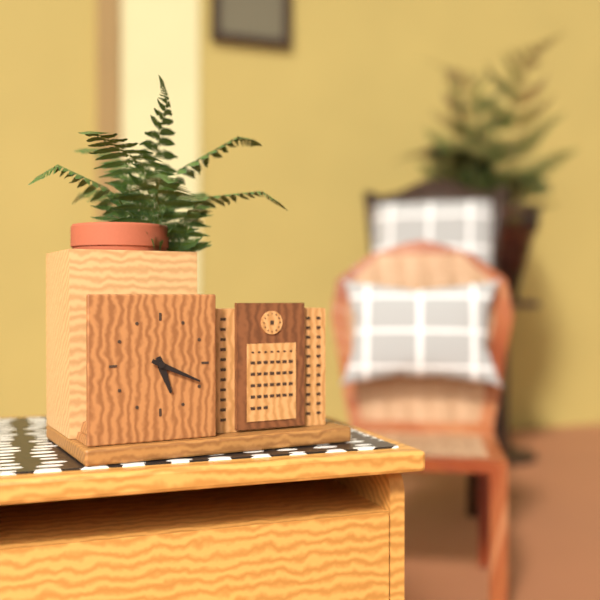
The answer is h=5 m=19
